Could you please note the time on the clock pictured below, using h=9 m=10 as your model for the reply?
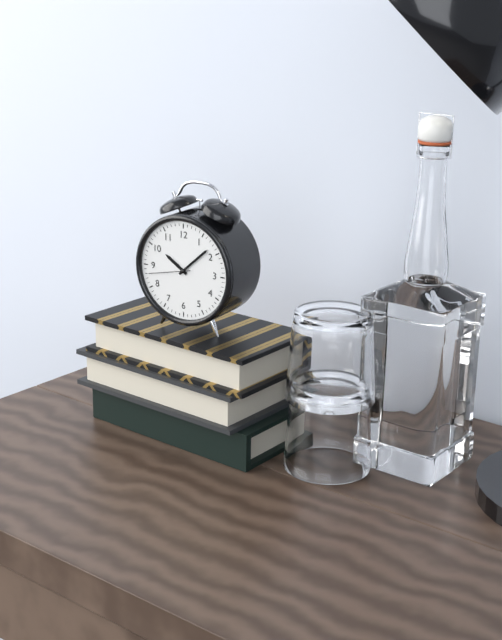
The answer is h=10 m=8
